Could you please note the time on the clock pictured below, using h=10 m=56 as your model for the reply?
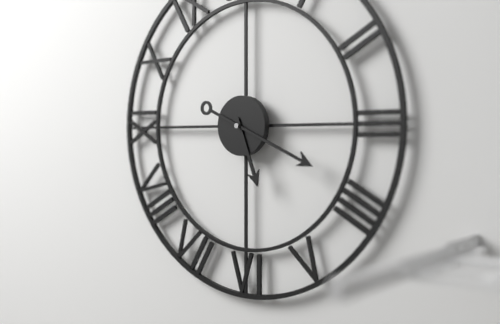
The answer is h=5 m=19
